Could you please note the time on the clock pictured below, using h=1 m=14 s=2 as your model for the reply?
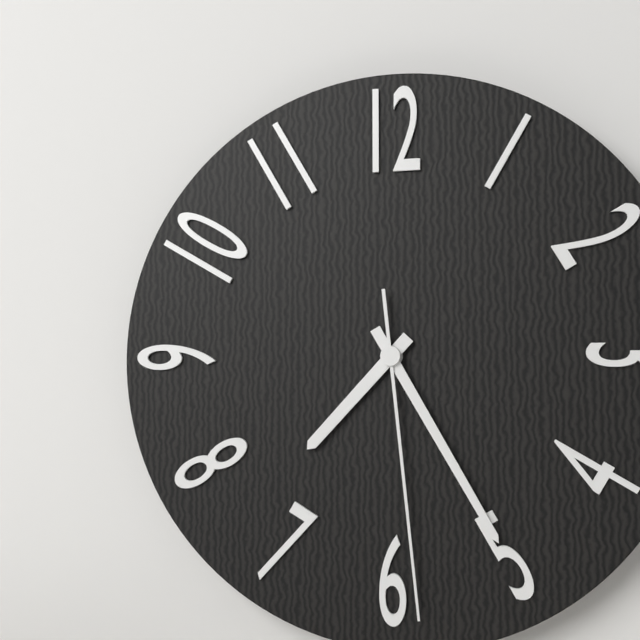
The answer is h=7 m=25 s=29
